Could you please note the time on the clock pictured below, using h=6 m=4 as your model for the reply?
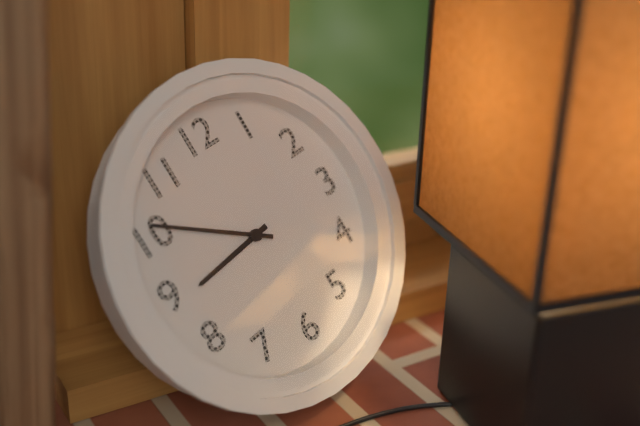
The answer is h=8 m=51
